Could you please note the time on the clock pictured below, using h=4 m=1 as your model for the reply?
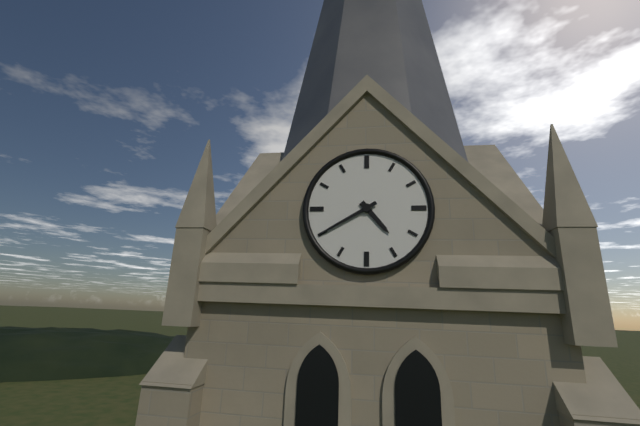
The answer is h=4 m=40
